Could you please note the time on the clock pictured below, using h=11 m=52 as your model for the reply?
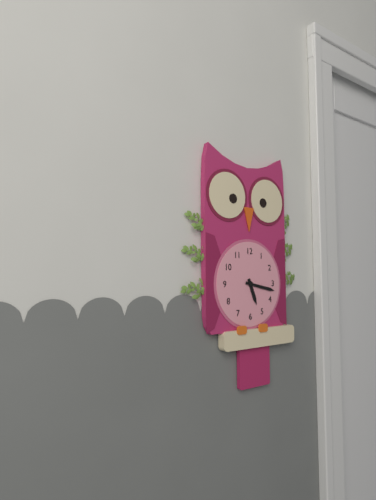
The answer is h=5 m=17
